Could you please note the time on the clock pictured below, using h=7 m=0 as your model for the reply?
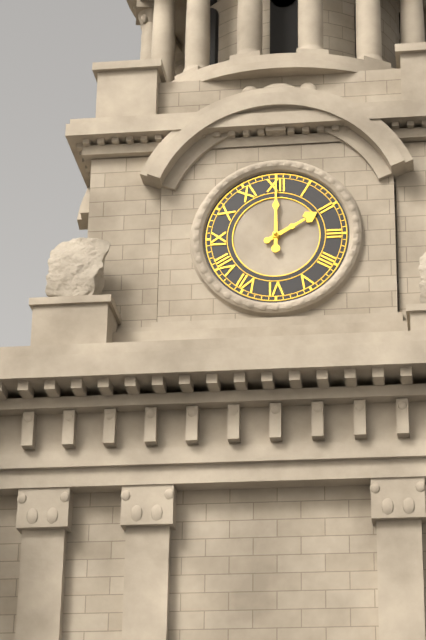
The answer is h=2 m=0
